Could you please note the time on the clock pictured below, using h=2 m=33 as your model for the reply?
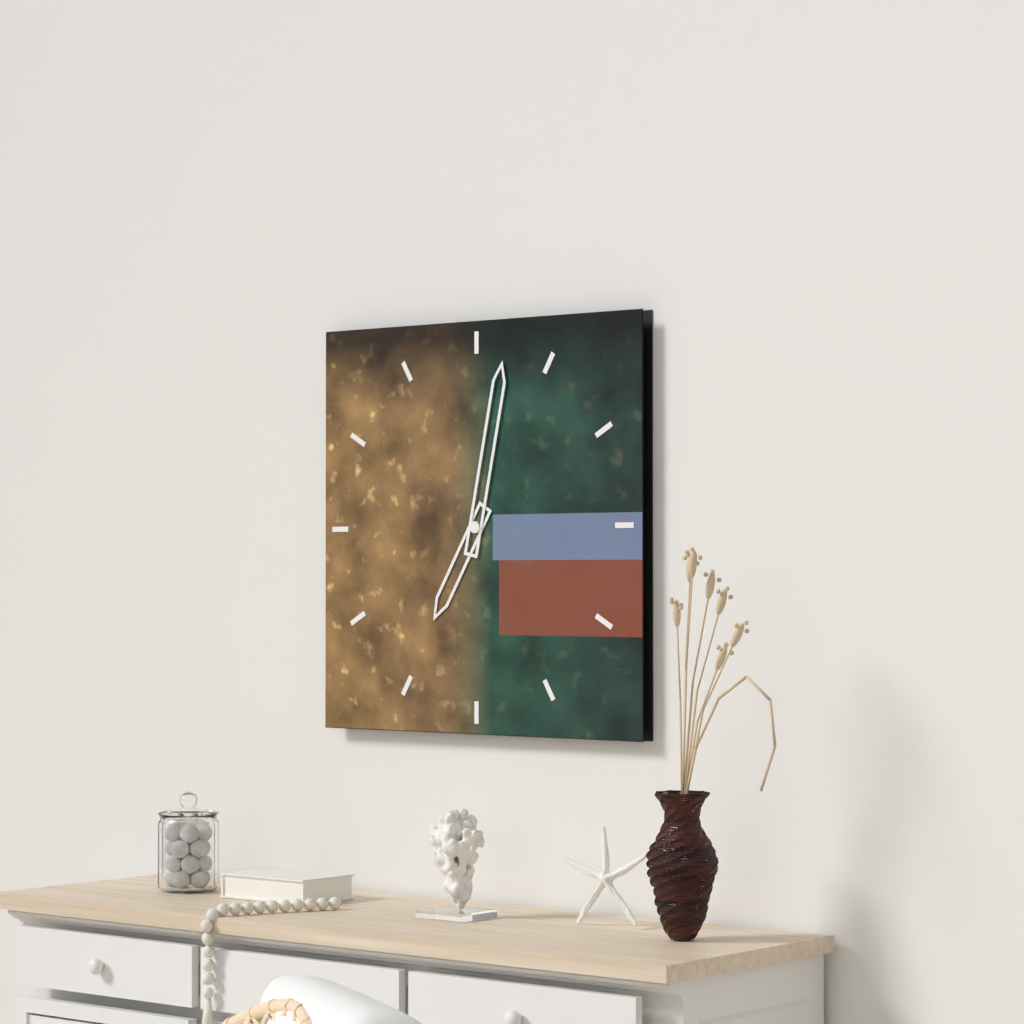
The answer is h=7 m=2
